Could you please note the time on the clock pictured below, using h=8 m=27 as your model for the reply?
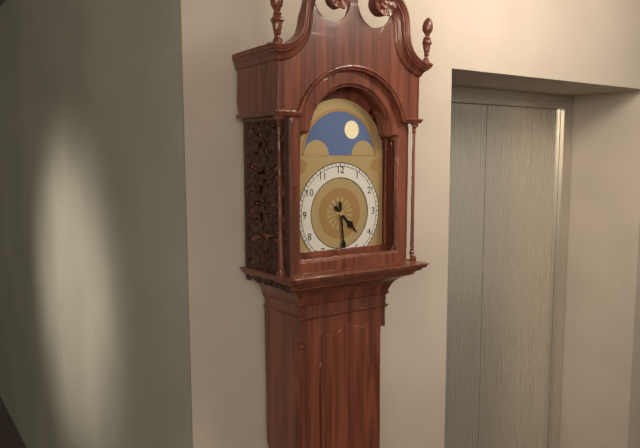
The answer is h=4 m=29
